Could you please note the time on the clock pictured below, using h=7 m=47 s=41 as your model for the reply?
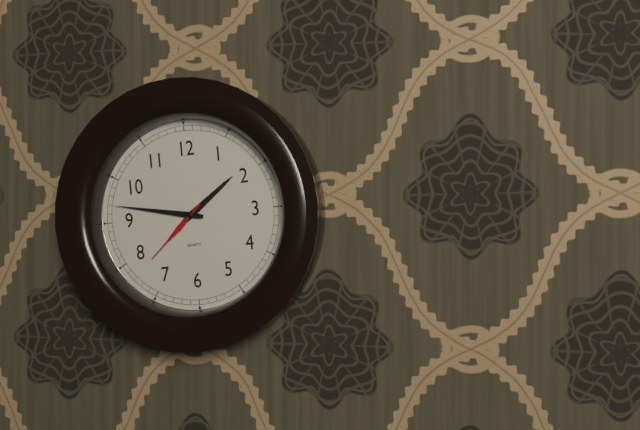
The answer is h=1 m=47 s=38
